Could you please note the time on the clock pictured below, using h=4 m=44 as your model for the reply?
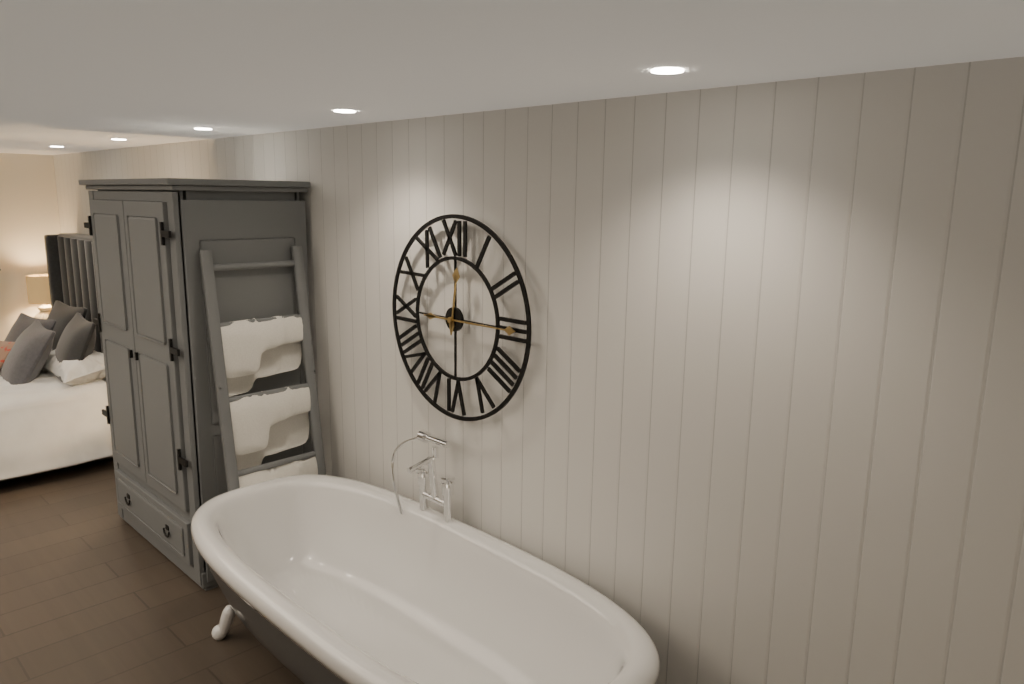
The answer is h=12 m=15
